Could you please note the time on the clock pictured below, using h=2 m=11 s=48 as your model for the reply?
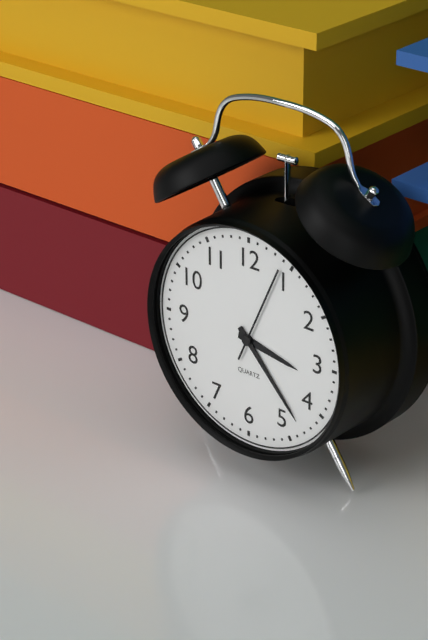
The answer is h=3 m=23 s=4
